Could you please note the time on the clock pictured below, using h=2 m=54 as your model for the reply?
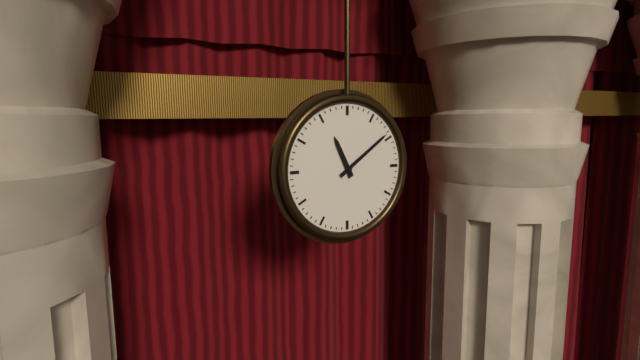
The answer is h=11 m=9
